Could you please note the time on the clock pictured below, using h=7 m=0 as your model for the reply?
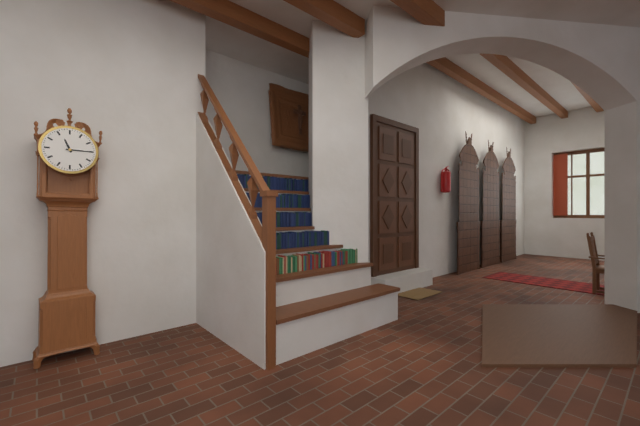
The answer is h=11 m=15
